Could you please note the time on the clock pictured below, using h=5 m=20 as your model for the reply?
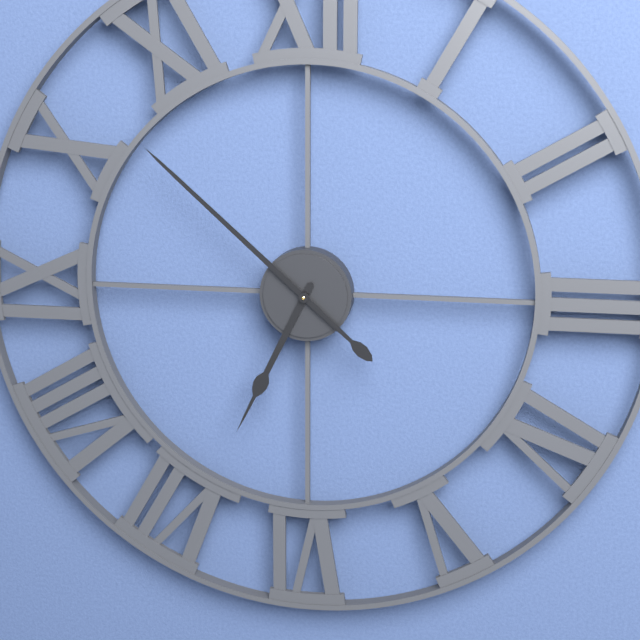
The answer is h=6 m=52
